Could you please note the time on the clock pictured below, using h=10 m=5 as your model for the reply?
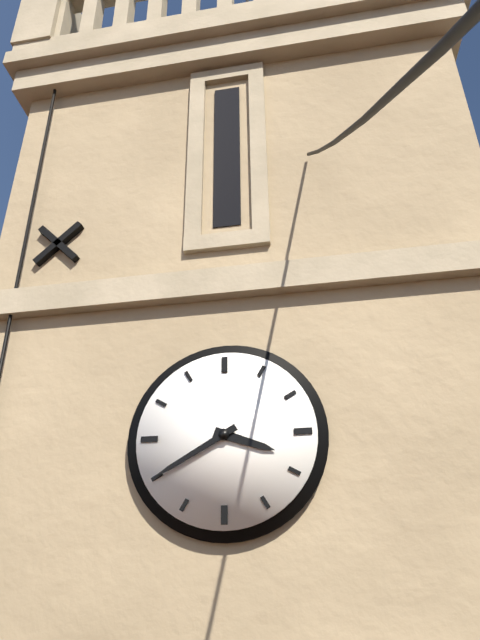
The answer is h=3 m=40
